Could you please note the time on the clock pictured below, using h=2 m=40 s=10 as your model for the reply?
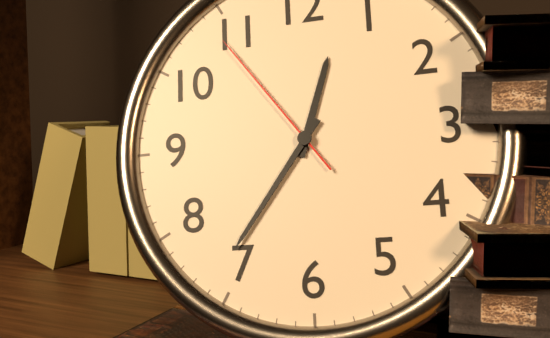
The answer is h=12 m=36 s=54
